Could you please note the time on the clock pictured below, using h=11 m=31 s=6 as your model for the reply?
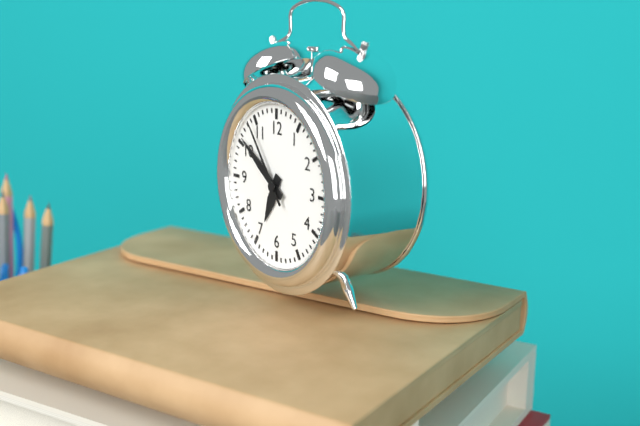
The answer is h=6 m=51 s=54
